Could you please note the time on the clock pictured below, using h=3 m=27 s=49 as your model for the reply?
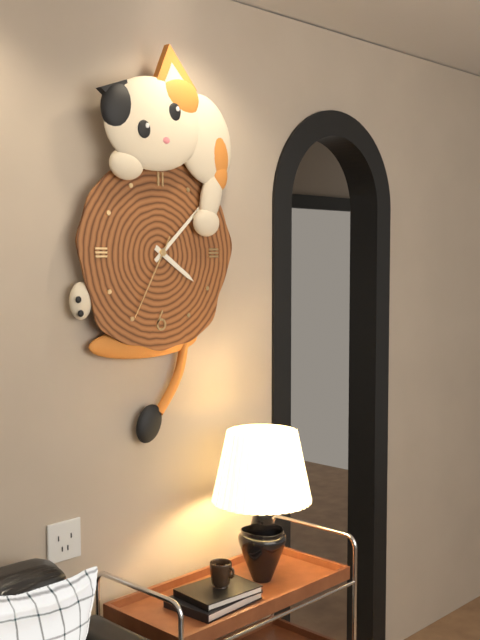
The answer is h=4 m=8 s=35
